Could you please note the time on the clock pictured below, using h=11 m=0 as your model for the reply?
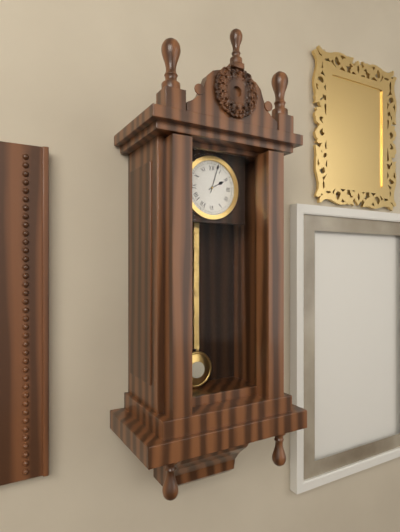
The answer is h=2 m=3
